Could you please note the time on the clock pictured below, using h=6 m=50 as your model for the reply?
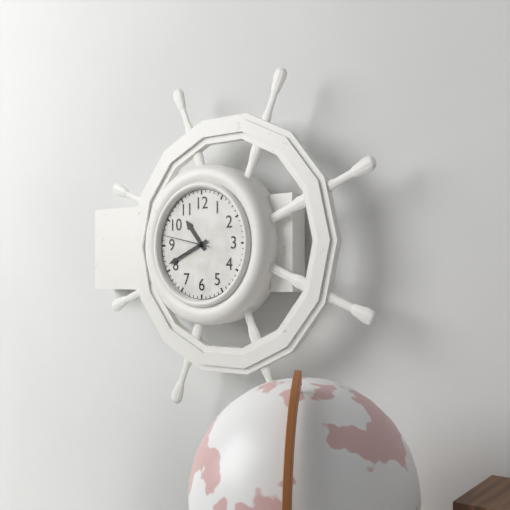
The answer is h=10 m=41
